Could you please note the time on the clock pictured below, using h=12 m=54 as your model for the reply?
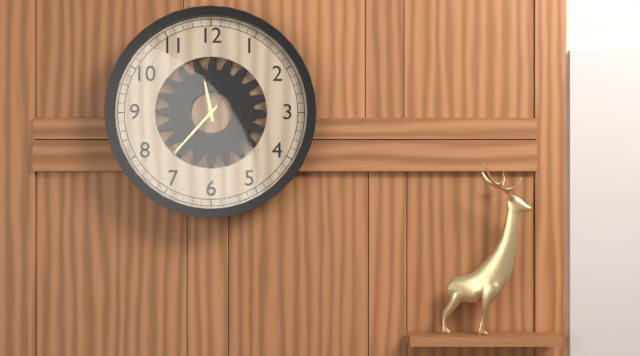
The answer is h=11 m=37
